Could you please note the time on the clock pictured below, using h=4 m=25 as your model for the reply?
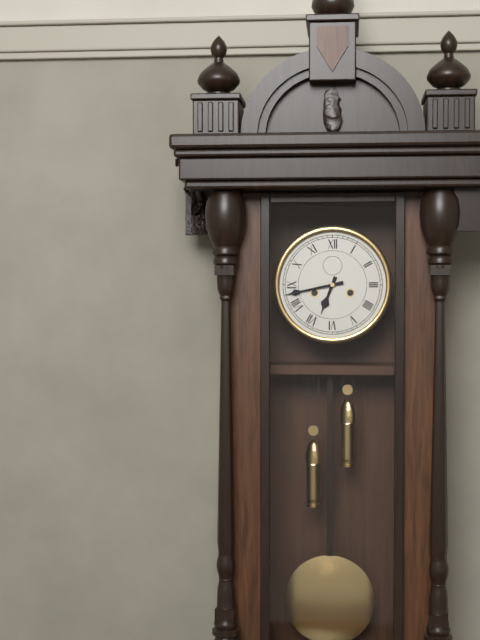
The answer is h=6 m=43
